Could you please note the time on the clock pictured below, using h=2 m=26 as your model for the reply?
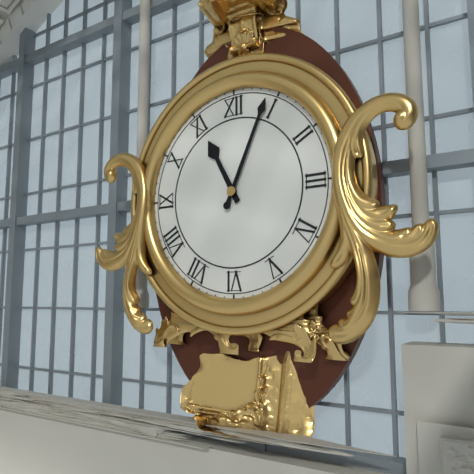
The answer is h=11 m=4
